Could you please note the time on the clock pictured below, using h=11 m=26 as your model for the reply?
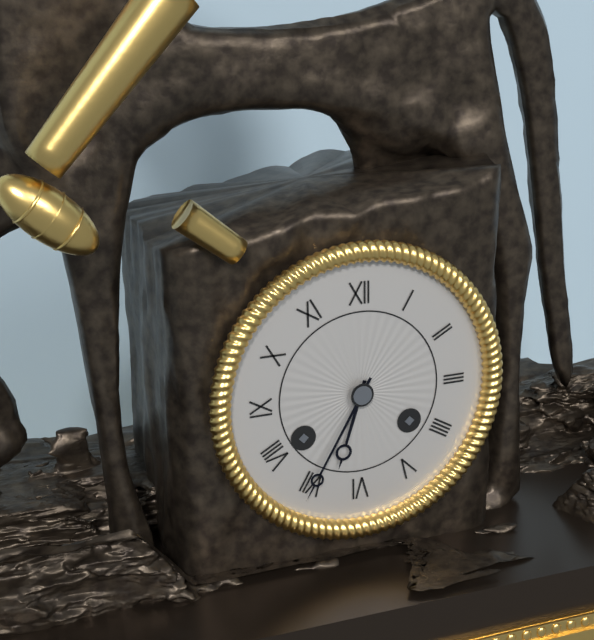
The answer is h=6 m=35
